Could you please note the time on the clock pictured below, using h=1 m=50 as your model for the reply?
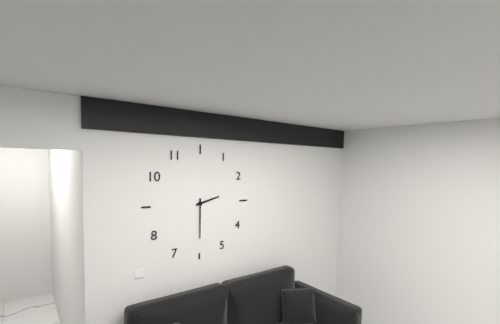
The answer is h=2 m=30
